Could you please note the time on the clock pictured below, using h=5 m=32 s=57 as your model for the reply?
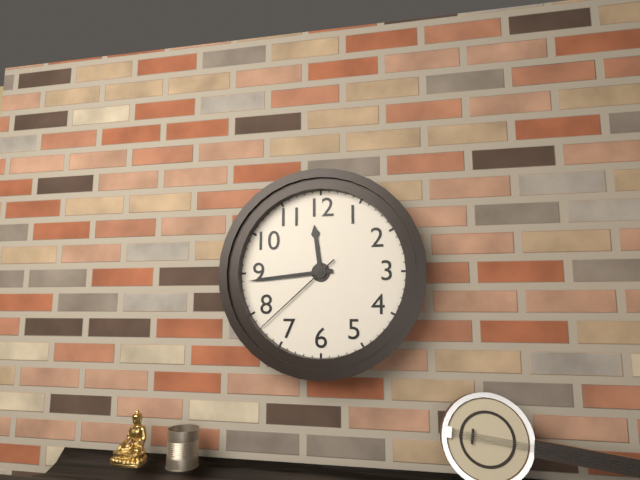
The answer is h=11 m=44 s=38
